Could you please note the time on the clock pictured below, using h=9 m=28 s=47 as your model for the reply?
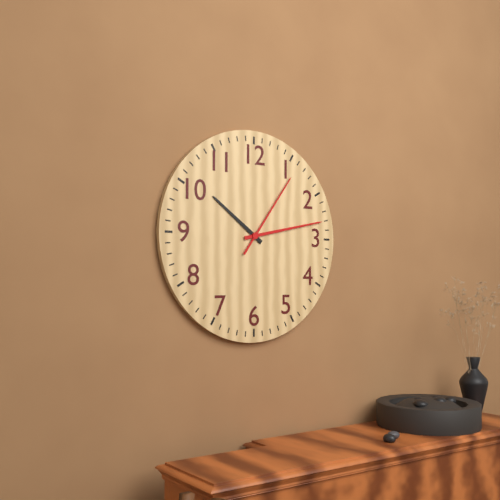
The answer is h=10 m=13 s=6
